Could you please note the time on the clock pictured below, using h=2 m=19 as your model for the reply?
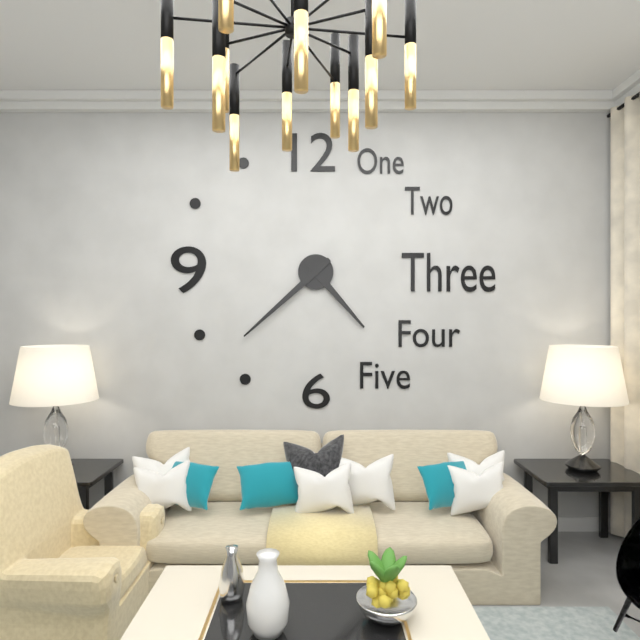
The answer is h=4 m=38
